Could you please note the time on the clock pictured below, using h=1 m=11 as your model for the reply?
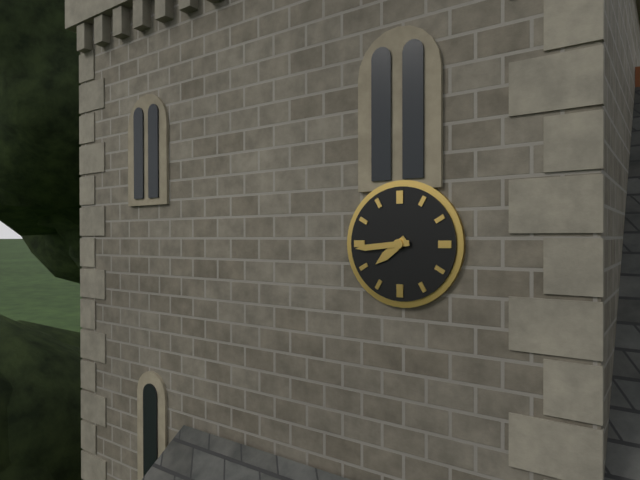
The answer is h=7 m=44
